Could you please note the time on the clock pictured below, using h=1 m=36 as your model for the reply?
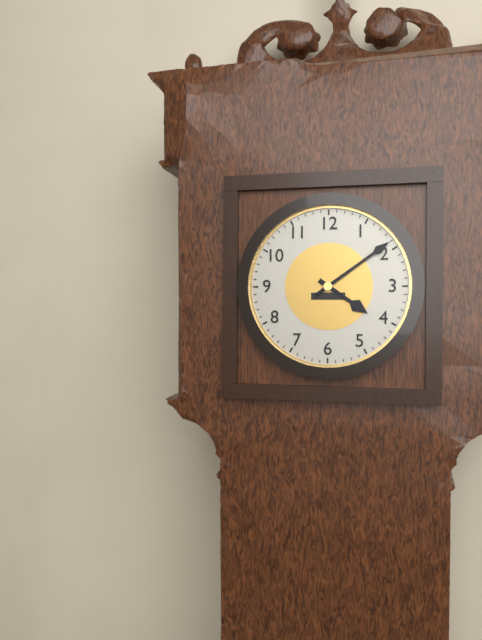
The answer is h=4 m=9
